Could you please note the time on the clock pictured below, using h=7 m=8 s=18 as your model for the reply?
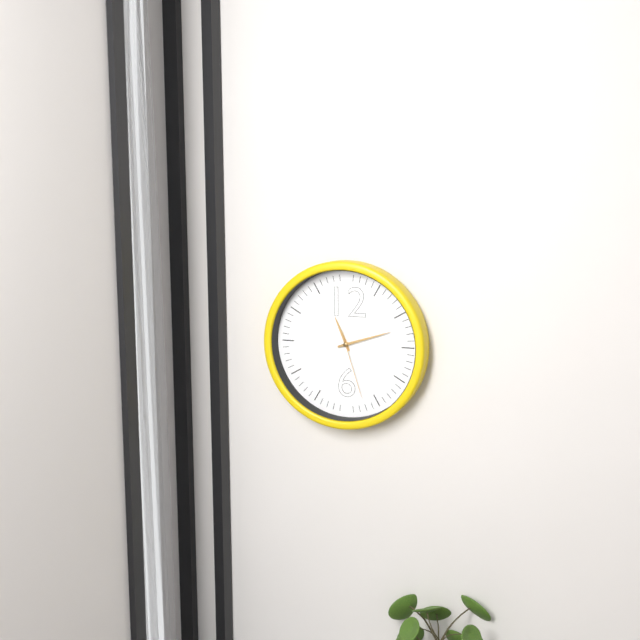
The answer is h=11 m=12 s=27
